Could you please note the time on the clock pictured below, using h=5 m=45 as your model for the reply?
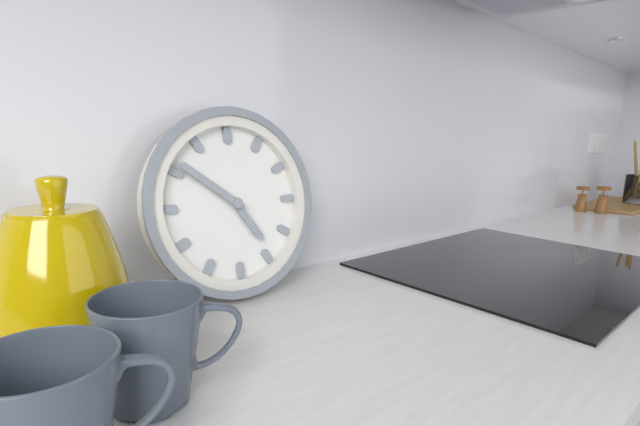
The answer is h=4 m=51
